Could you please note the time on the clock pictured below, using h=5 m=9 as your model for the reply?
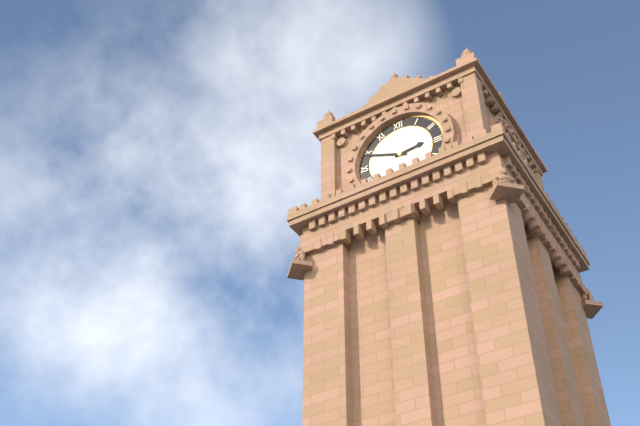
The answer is h=2 m=49
